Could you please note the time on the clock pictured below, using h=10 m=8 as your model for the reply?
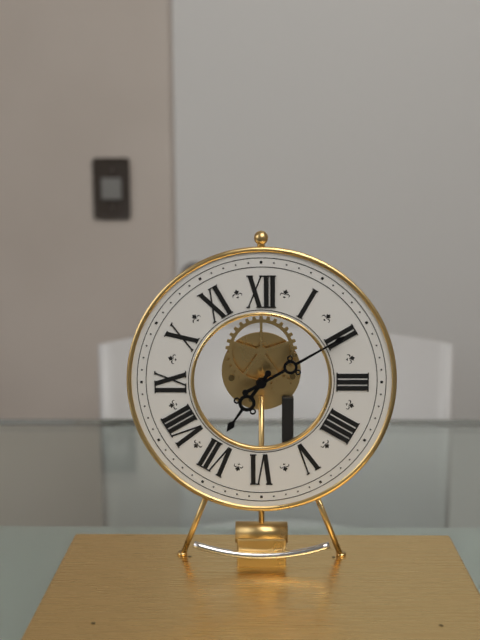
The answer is h=7 m=10
